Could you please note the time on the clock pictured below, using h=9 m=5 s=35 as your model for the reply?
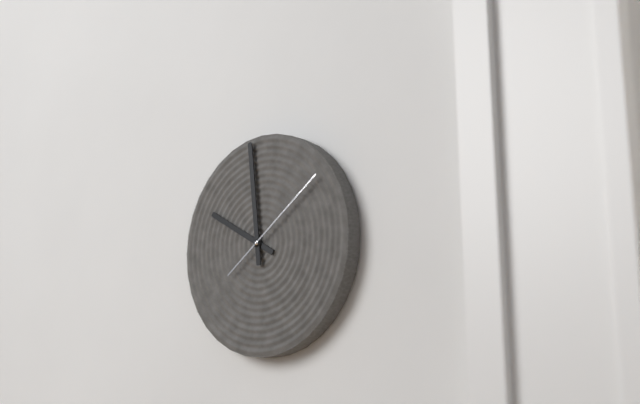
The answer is h=9 m=59 s=9
